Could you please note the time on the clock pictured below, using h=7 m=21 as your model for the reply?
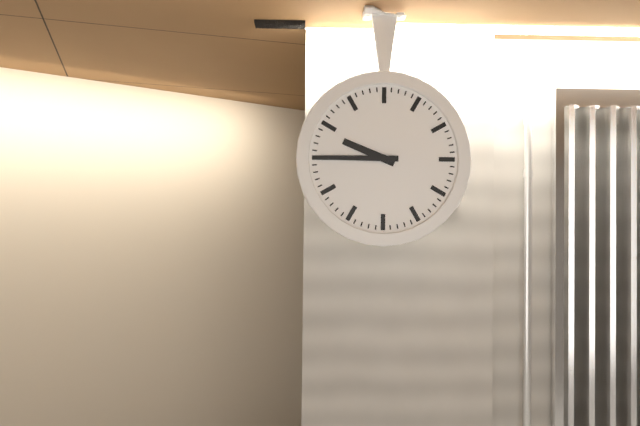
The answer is h=9 m=45
